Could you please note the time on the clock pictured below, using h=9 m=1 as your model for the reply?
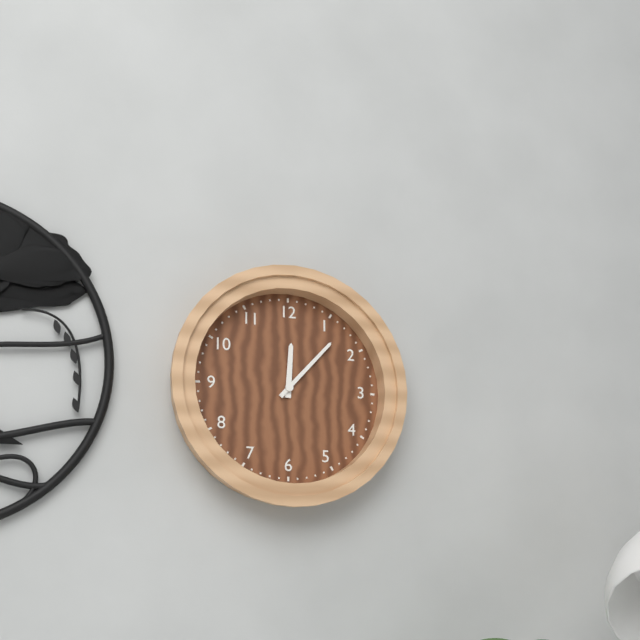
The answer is h=12 m=7
